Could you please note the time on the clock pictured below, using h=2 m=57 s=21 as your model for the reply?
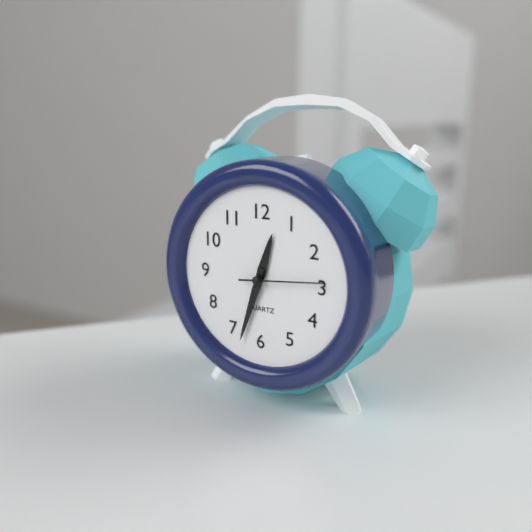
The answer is h=12 m=33 s=14
